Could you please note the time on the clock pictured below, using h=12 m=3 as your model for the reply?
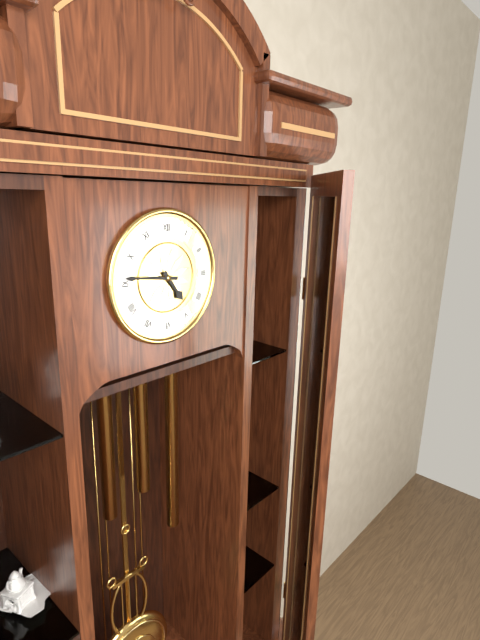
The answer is h=4 m=46
